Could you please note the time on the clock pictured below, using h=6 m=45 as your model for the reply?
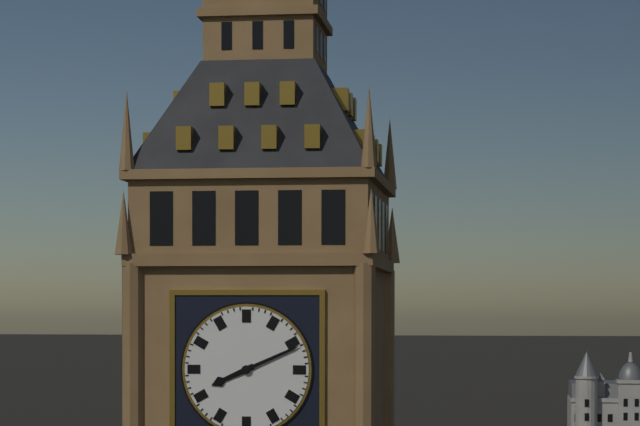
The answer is h=8 m=11
